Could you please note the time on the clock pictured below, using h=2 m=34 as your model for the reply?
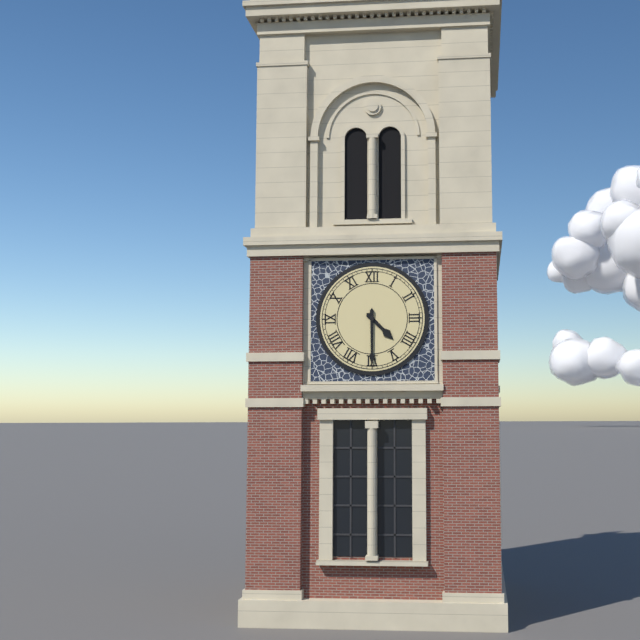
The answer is h=4 m=30
